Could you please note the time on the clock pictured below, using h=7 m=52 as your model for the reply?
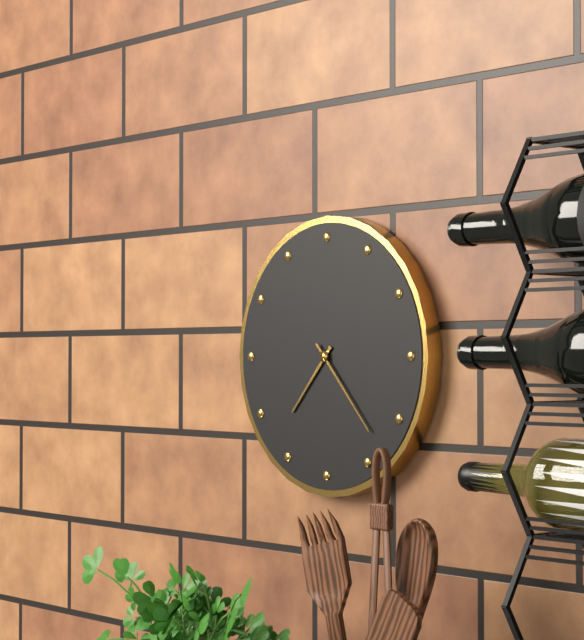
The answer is h=7 m=23
